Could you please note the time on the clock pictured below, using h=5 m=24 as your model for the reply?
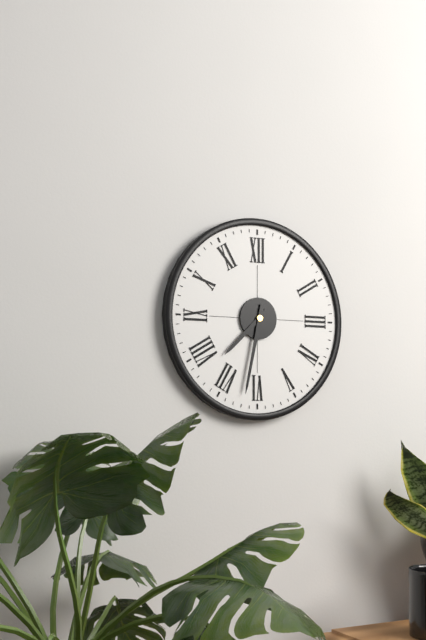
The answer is h=7 m=32
